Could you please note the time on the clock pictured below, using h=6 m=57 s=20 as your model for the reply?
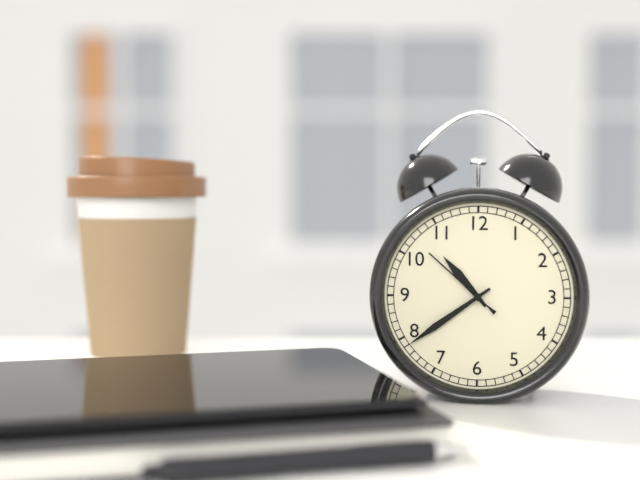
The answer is h=10 m=39 s=52
